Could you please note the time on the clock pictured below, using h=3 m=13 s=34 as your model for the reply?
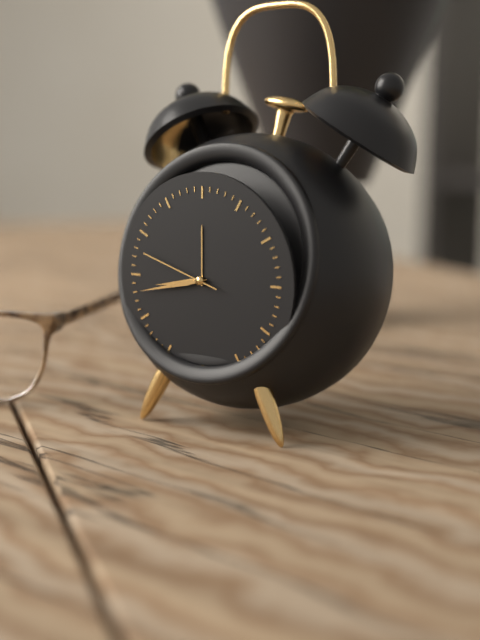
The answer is h=8 m=43 s=48
